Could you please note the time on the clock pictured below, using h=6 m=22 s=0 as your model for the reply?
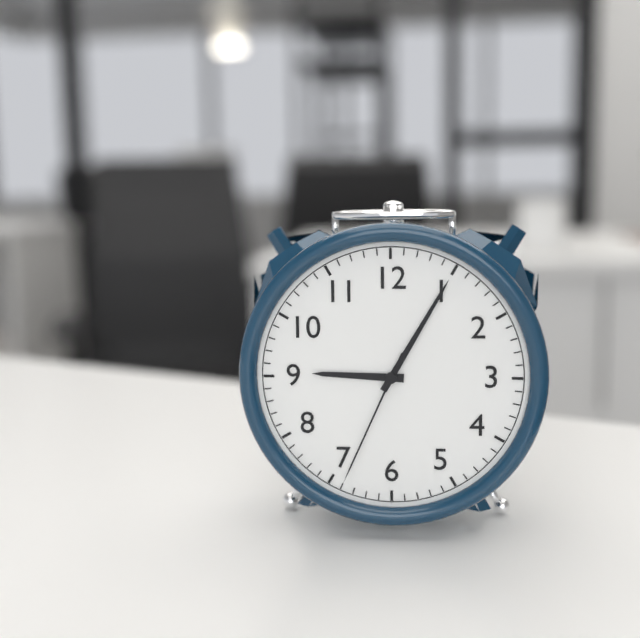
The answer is h=9 m=5 s=34
